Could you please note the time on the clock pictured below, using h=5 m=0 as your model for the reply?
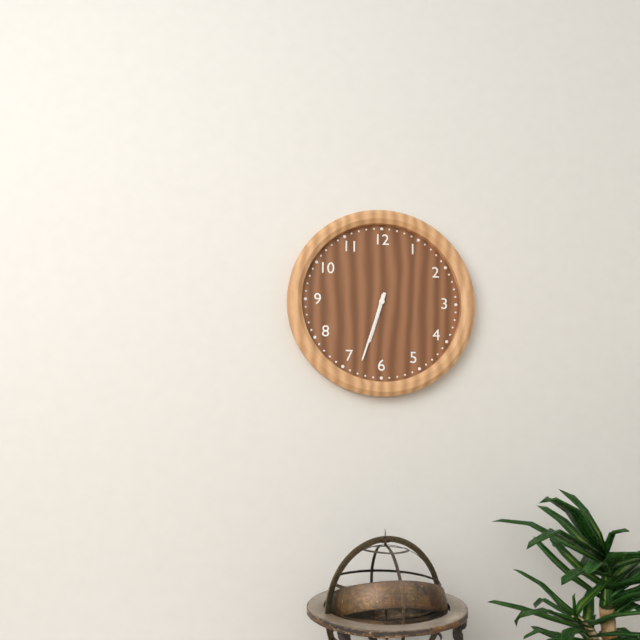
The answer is h=6 m=33
